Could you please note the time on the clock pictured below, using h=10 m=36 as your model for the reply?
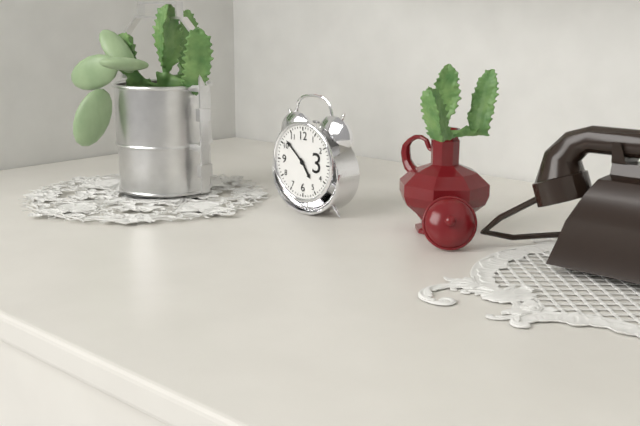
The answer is h=4 m=52
